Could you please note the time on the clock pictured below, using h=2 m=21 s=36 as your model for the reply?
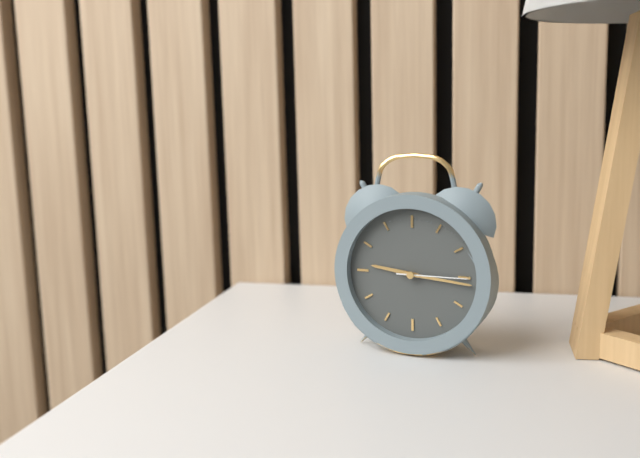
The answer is h=9 m=16 s=15
